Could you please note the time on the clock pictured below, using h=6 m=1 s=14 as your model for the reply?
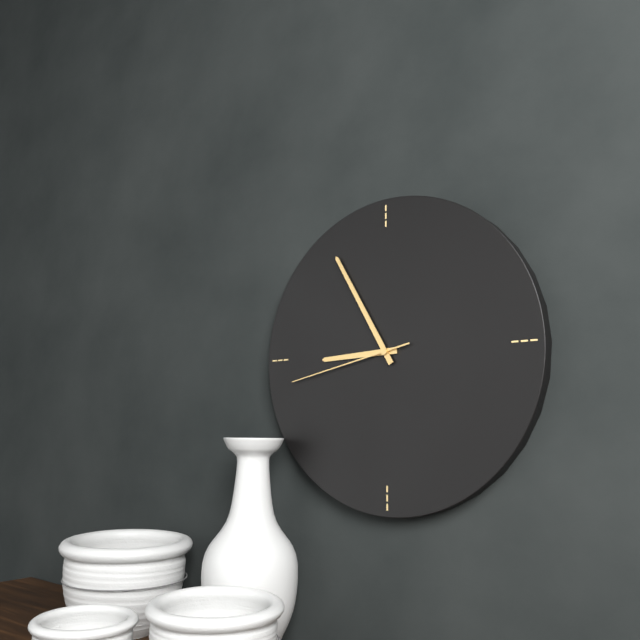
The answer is h=8 m=55 s=43
